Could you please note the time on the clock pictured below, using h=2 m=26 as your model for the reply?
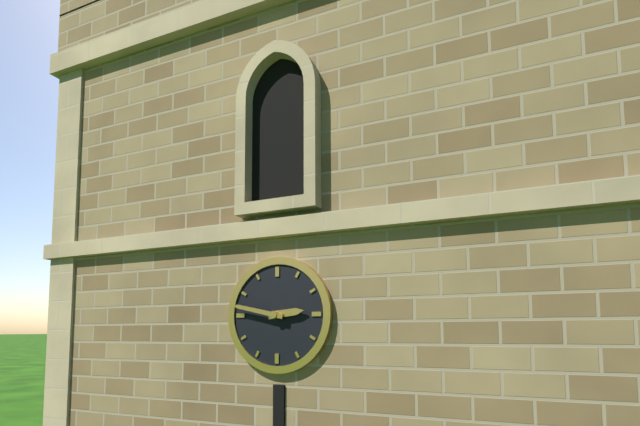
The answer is h=2 m=47
